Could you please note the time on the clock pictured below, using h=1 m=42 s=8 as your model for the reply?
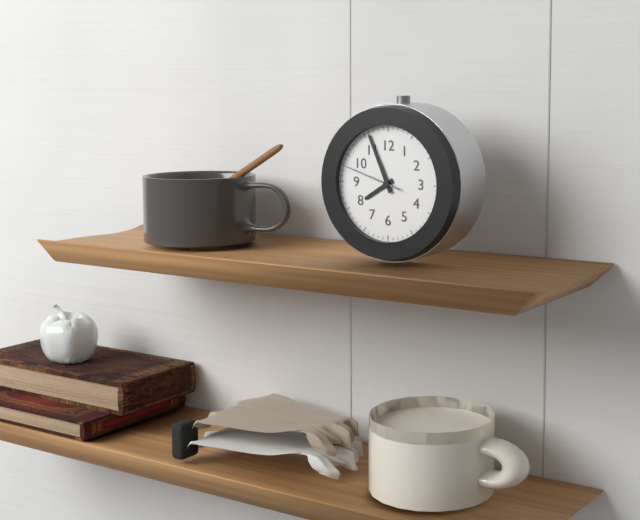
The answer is h=7 m=56 s=48
